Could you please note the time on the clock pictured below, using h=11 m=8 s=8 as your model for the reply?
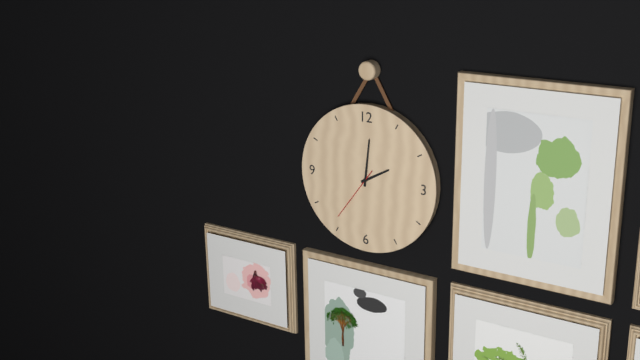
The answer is h=2 m=1 s=36
